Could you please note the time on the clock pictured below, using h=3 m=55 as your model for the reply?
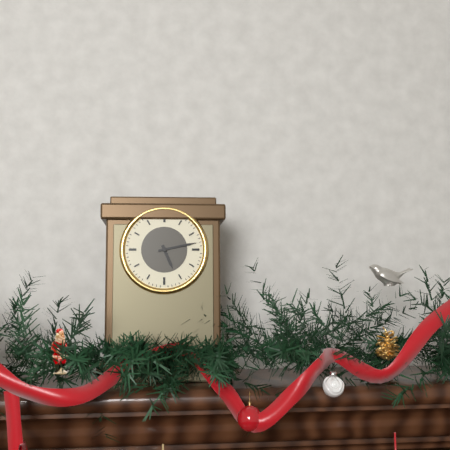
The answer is h=5 m=13
